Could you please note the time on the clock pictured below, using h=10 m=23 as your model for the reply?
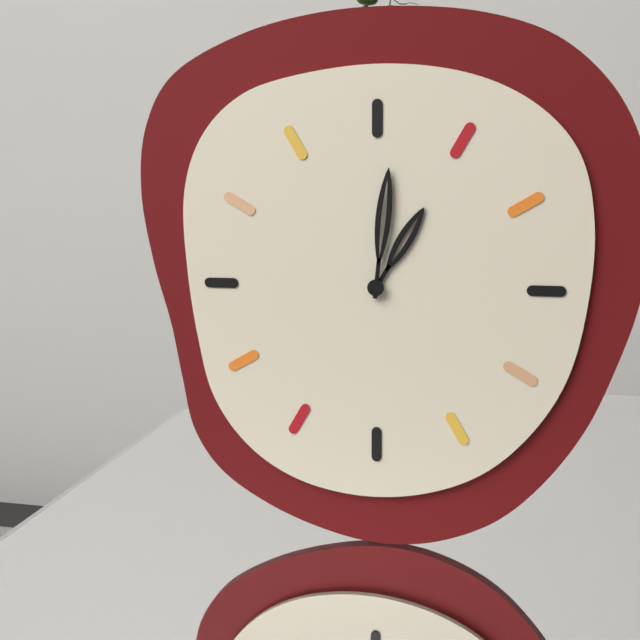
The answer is h=1 m=1
